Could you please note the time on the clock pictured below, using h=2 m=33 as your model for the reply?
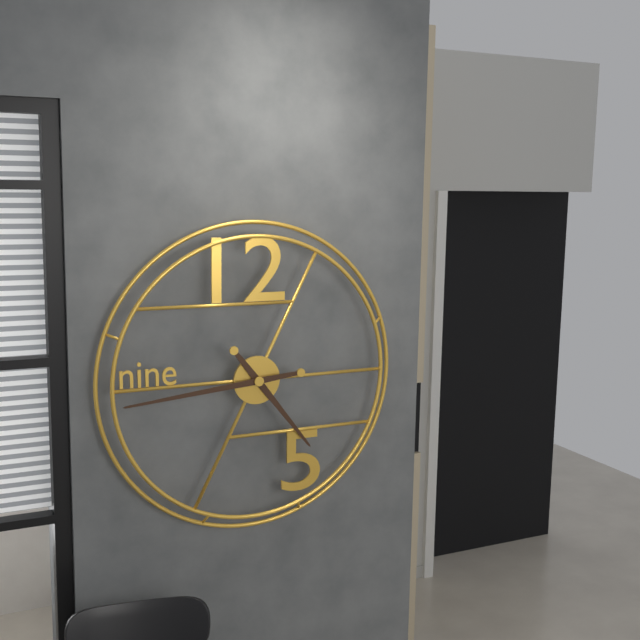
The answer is h=4 m=44
